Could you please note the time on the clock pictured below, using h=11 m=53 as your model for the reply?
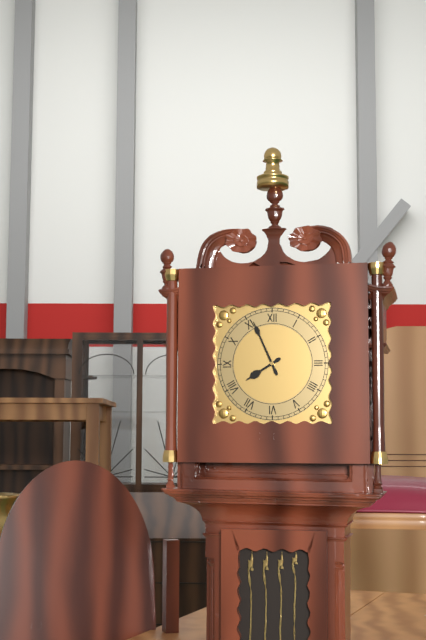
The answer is h=7 m=56
